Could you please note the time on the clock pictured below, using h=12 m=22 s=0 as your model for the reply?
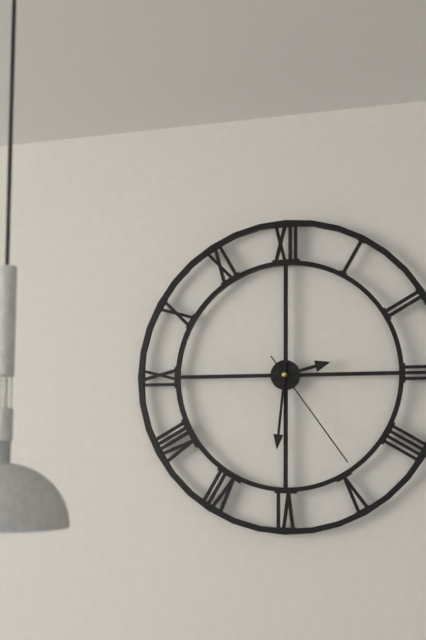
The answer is h=2 m=31 s=24
